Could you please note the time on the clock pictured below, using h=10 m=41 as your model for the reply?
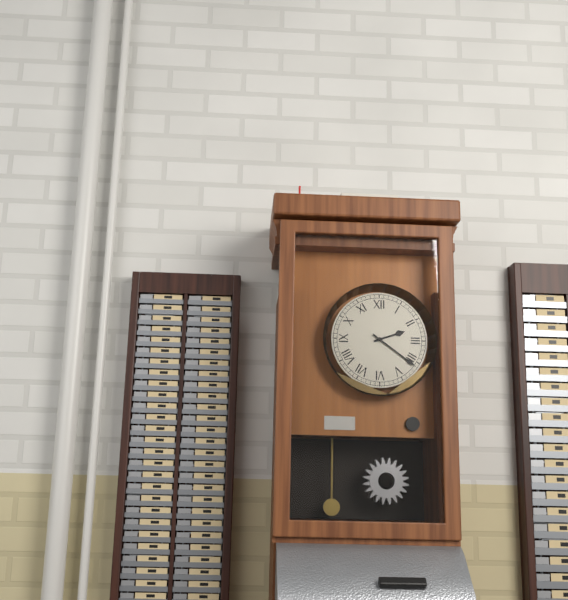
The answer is h=2 m=21
